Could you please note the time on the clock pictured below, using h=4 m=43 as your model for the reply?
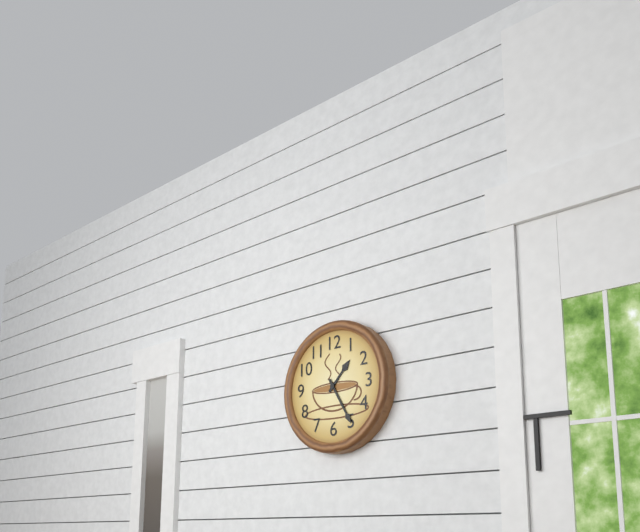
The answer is h=1 m=25
